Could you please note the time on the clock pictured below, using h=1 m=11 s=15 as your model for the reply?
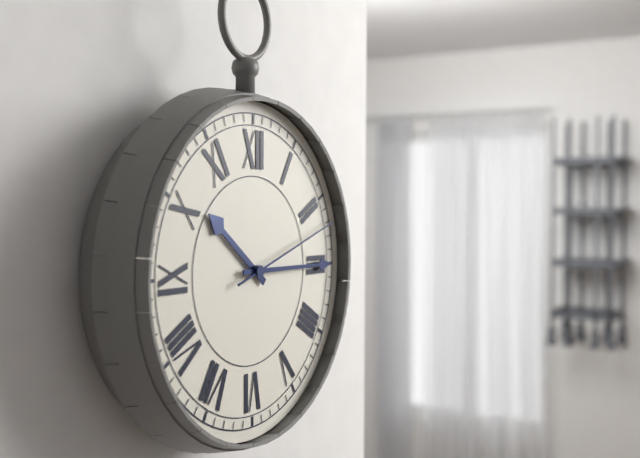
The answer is h=10 m=15 s=12
